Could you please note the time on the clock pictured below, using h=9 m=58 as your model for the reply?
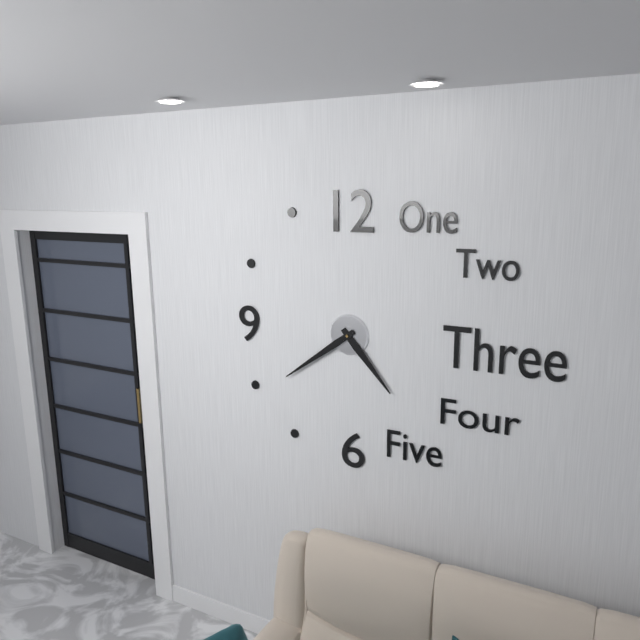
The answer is h=4 m=39
